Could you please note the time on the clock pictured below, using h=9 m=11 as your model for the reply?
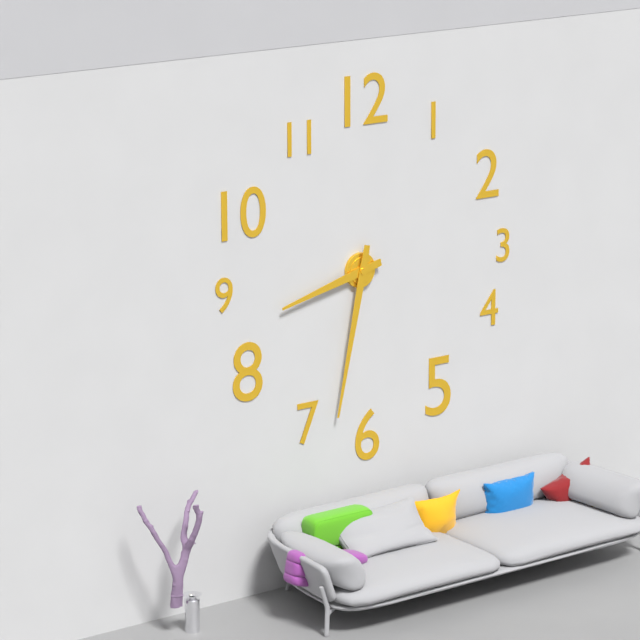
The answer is h=8 m=32
